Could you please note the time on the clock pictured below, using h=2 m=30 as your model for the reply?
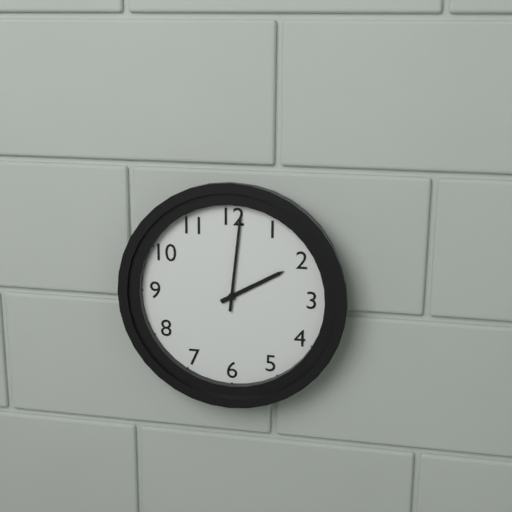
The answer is h=2 m=1
